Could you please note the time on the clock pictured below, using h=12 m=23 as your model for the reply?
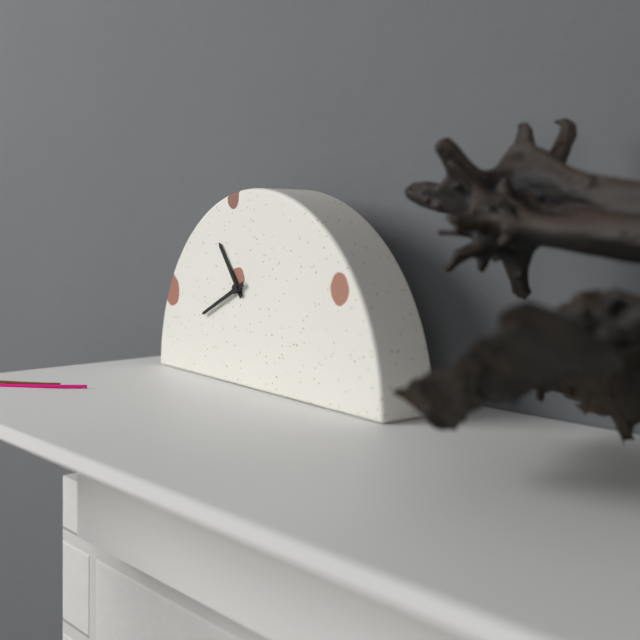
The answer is h=10 m=41
